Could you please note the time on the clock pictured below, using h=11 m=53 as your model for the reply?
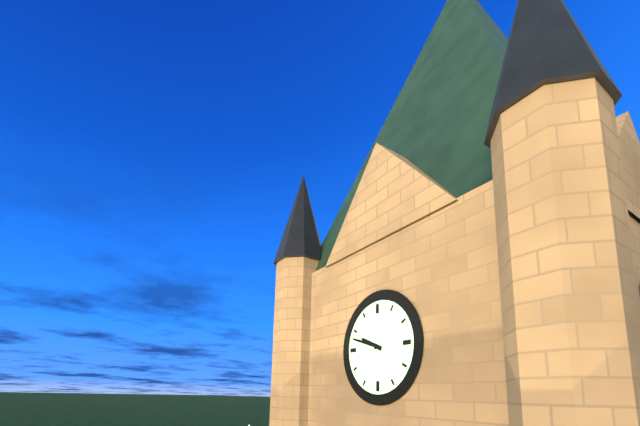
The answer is h=9 m=48
